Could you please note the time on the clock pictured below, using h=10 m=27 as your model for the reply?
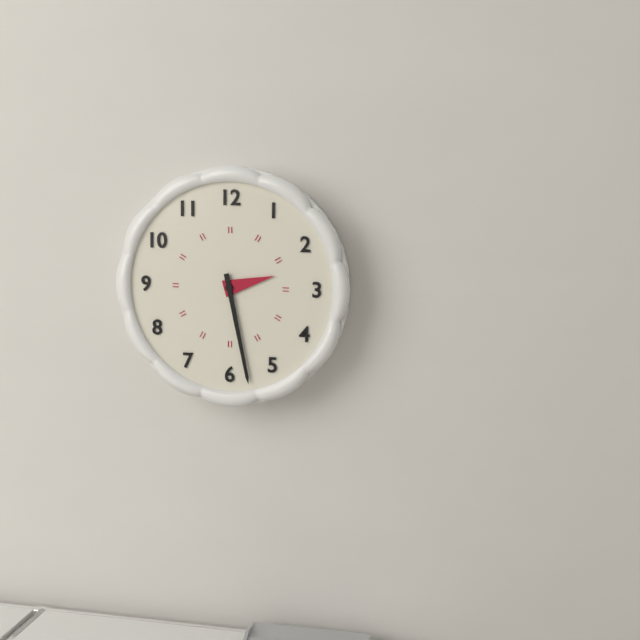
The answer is h=2 m=28
